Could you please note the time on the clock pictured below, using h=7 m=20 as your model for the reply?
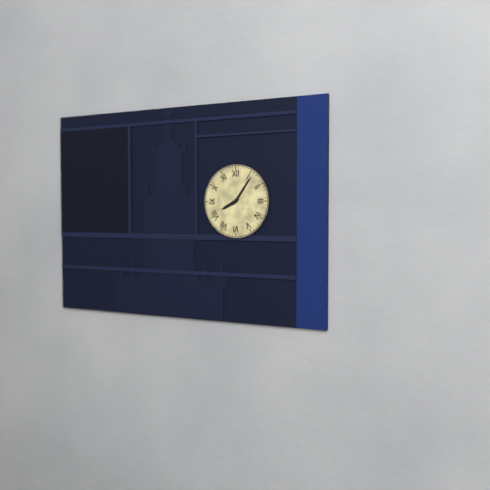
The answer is h=8 m=6
